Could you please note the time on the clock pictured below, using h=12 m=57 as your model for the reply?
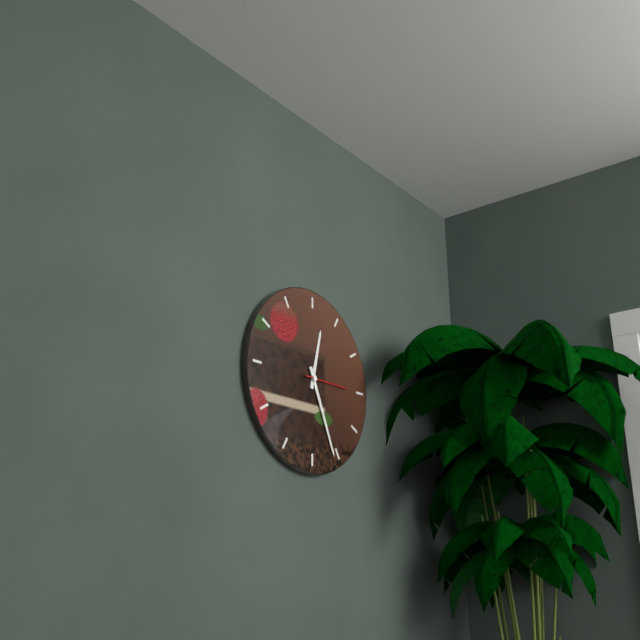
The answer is h=12 m=26
